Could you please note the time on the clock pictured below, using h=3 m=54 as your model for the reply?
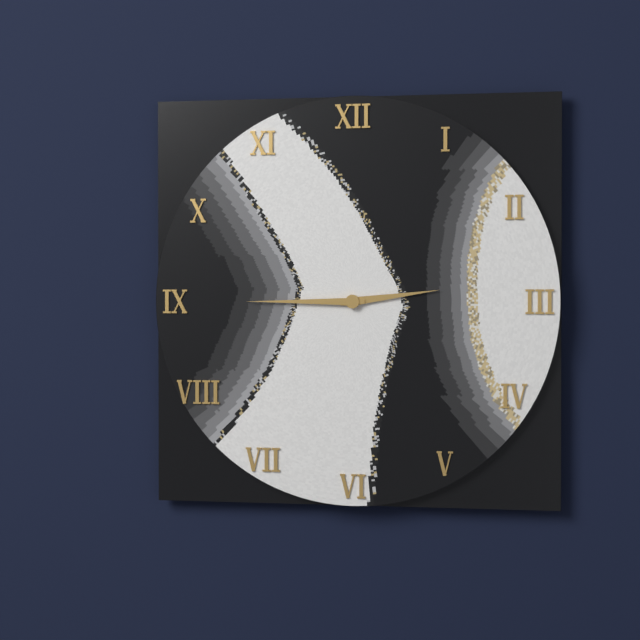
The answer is h=2 m=45
